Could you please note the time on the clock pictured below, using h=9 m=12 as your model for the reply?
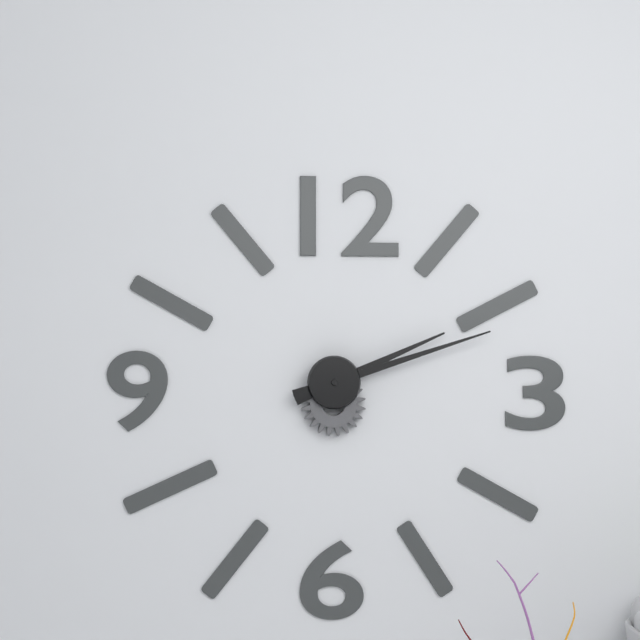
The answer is h=2 m=12
